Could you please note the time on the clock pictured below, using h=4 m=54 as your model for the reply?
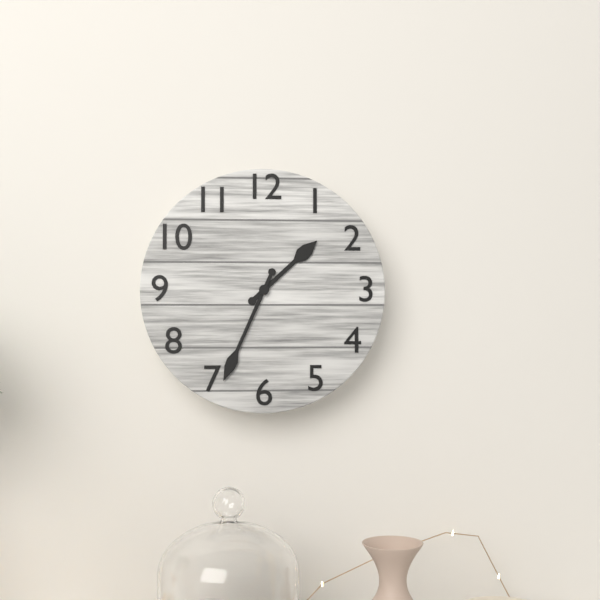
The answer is h=1 m=34
